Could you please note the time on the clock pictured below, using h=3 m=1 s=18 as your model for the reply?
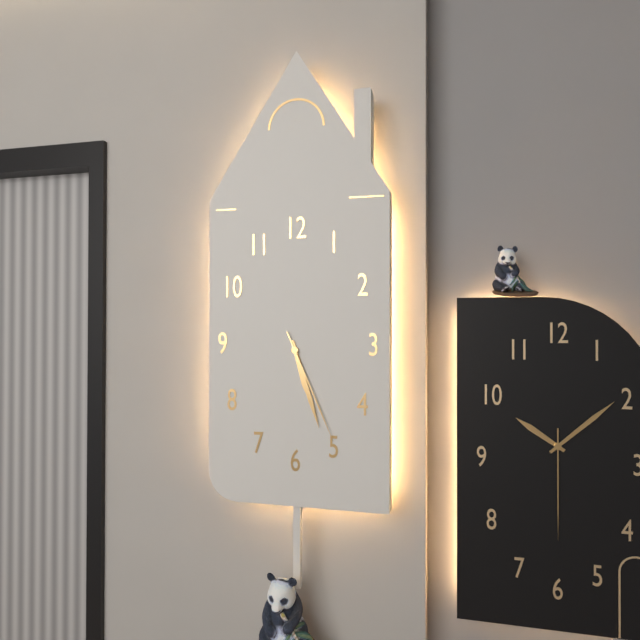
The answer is h=5 m=27 s=26
